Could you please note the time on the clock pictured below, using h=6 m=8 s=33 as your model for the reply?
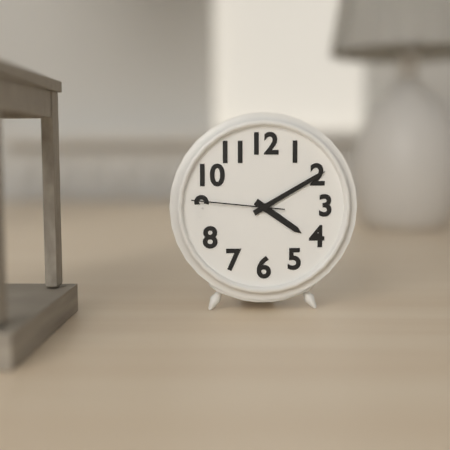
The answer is h=4 m=10 s=46
